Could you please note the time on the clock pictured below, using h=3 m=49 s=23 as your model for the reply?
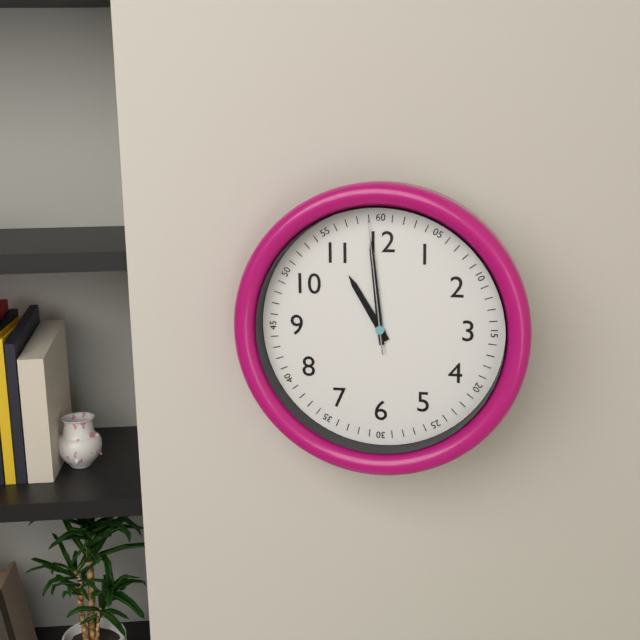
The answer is h=10 m=59 s=59
